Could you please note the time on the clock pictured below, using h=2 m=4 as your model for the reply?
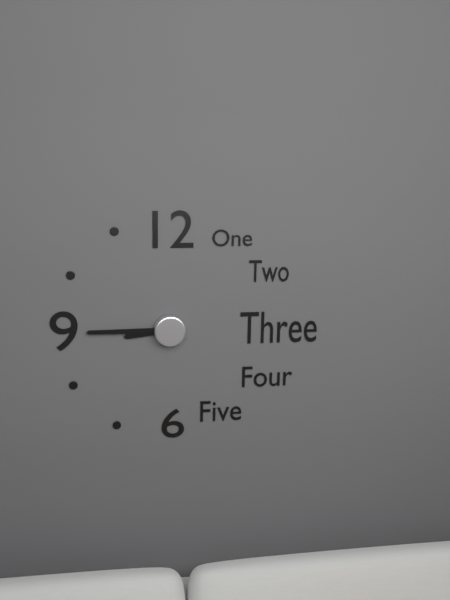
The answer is h=8 m=45
